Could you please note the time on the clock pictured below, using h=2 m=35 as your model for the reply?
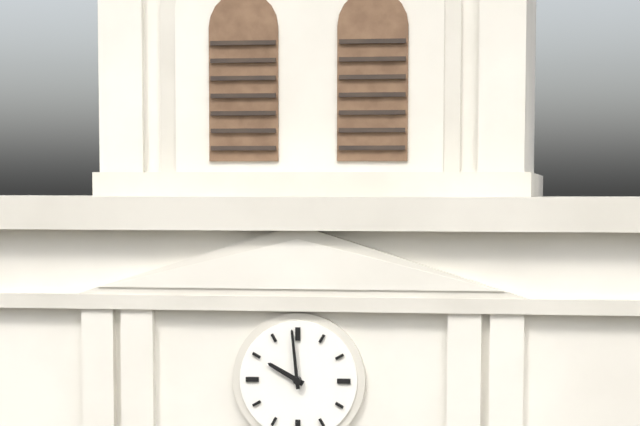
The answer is h=9 m=59
